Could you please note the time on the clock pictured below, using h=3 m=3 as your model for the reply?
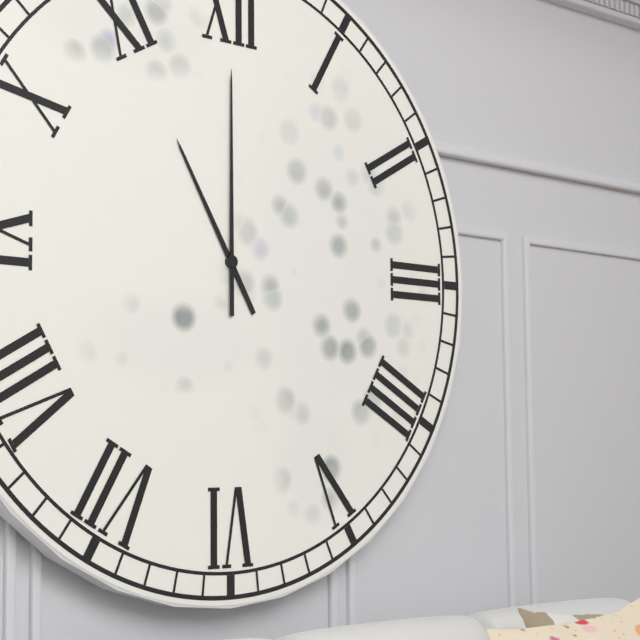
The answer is h=11 m=0
